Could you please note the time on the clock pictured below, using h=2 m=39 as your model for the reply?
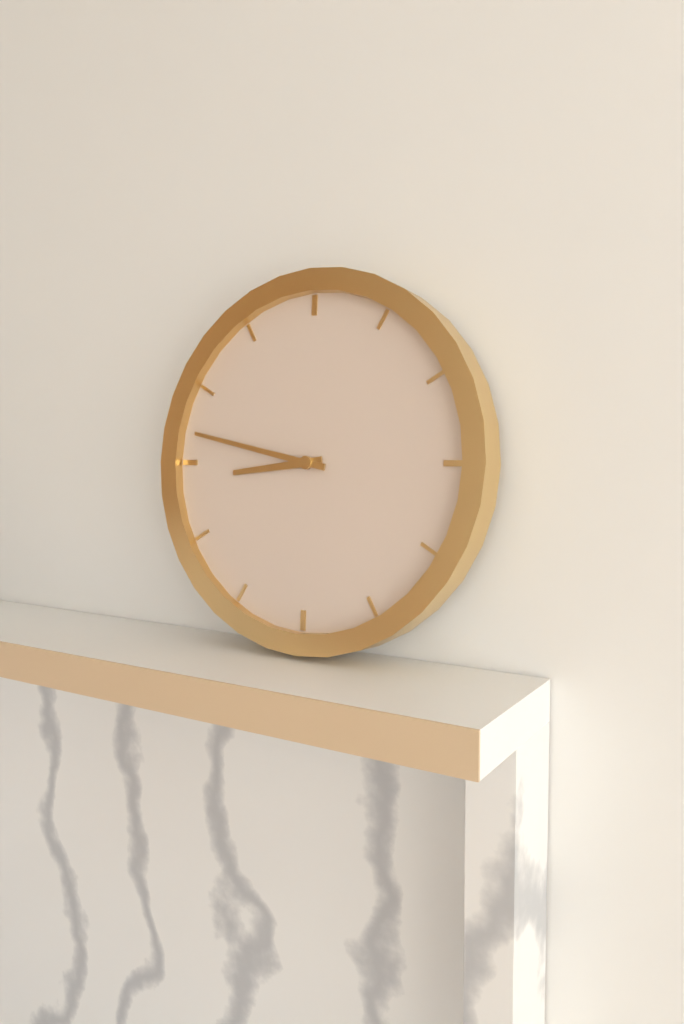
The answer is h=8 m=47
